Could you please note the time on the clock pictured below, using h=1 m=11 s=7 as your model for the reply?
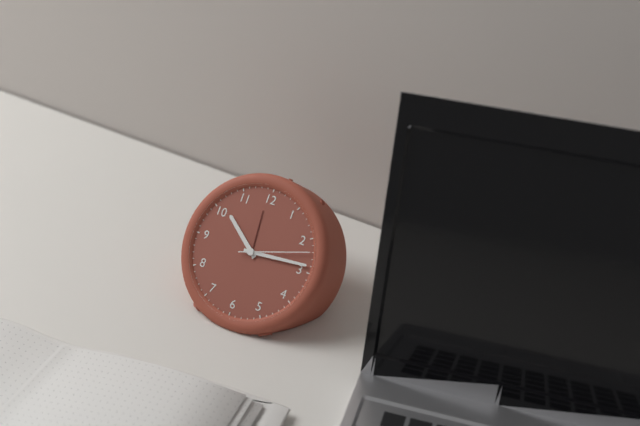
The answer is h=10 m=14 s=12
